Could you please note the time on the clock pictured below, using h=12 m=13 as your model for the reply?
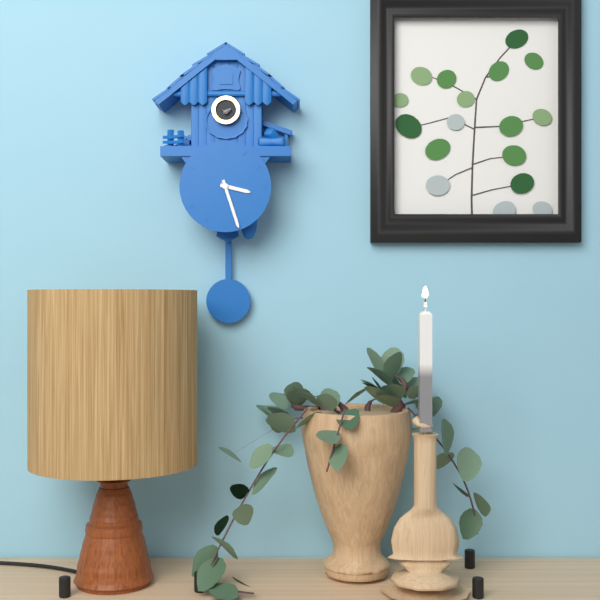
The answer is h=3 m=27
